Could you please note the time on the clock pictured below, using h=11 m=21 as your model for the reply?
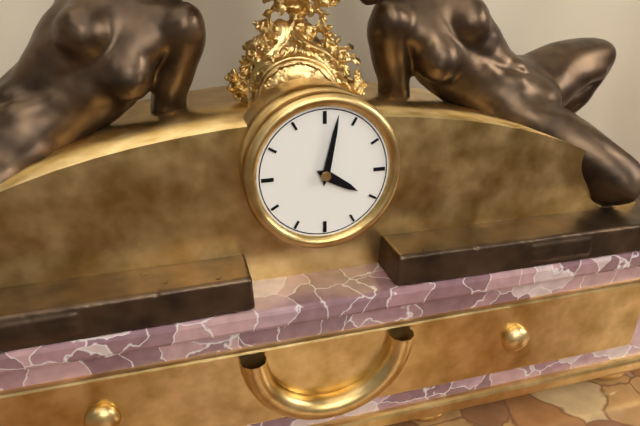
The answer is h=4 m=2
